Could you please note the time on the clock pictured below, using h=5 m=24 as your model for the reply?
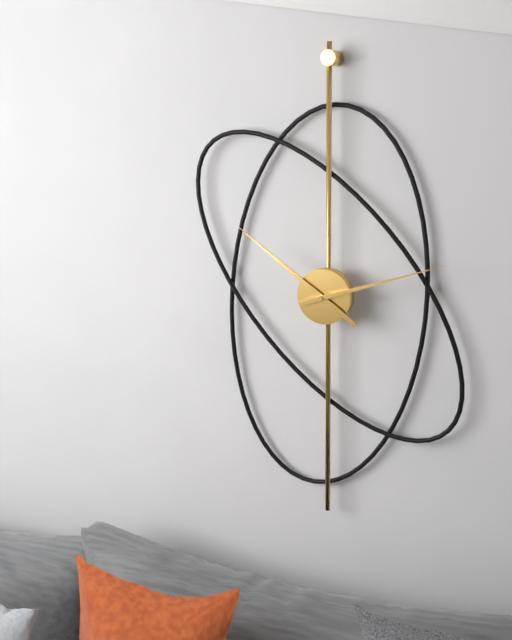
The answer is h=10 m=12
